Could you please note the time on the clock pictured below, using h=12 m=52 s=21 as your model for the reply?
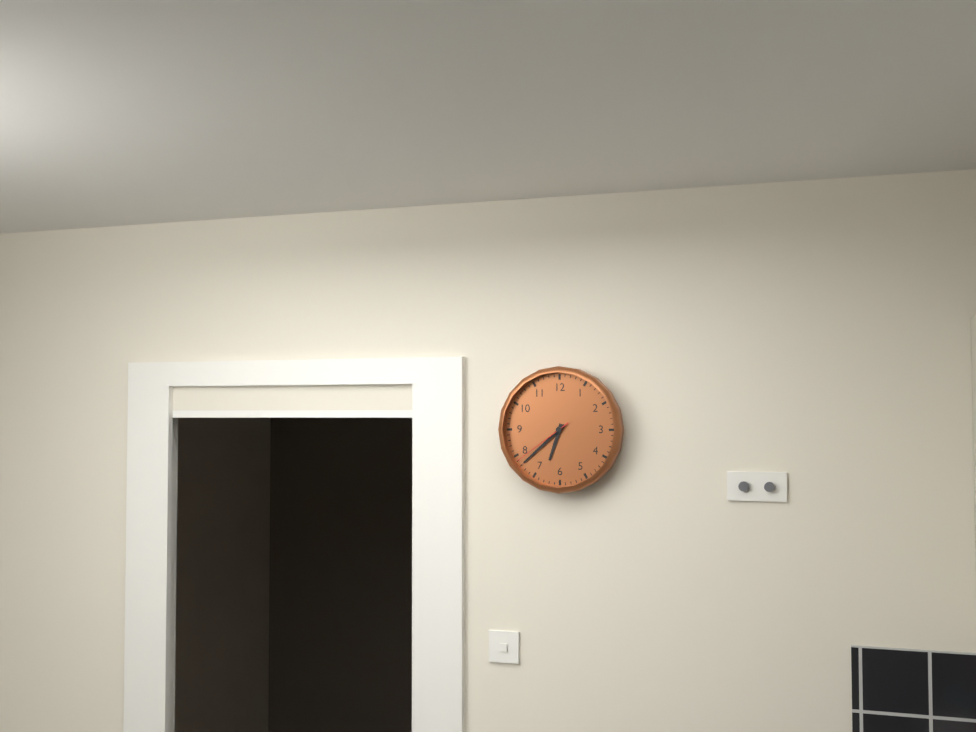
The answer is h=6 m=38 s=39
